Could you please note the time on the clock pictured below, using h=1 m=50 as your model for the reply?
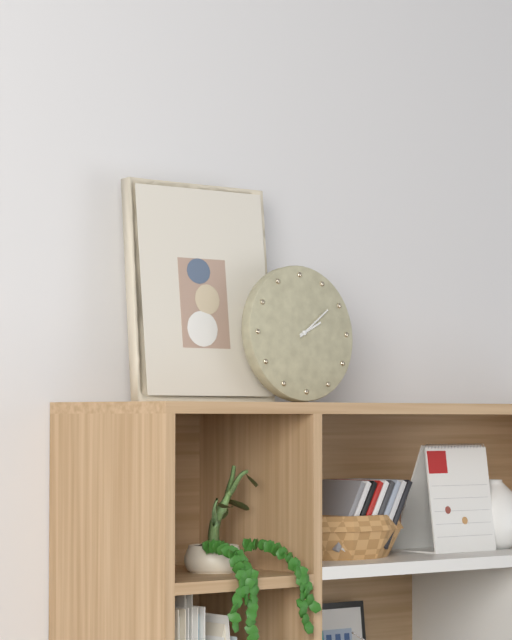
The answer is h=2 m=9
